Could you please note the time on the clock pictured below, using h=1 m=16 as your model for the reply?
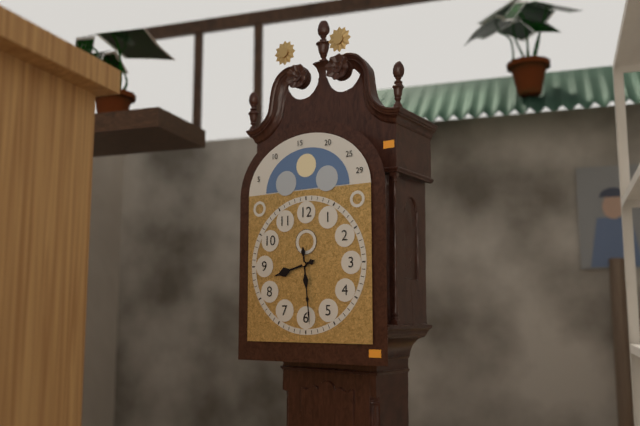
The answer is h=8 m=29
